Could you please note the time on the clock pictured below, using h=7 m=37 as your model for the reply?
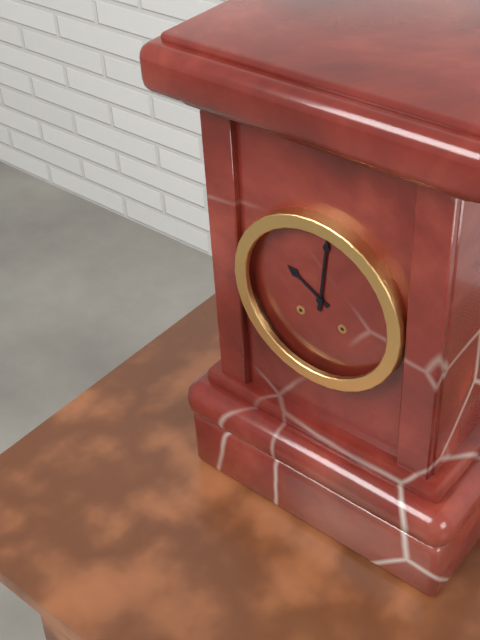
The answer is h=10 m=1
